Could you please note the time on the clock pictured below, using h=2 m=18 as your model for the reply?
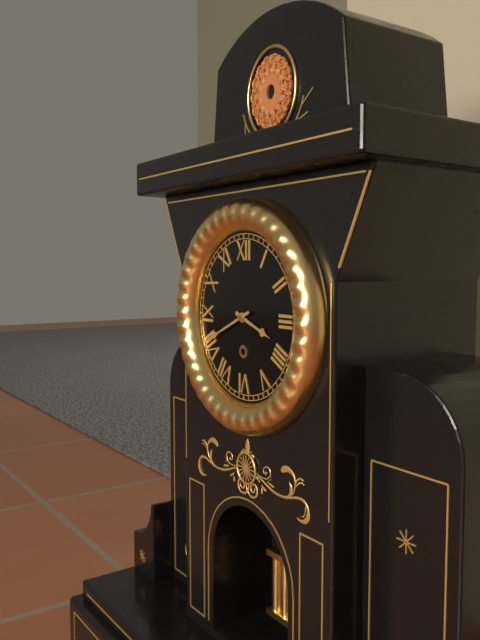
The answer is h=3 m=41
